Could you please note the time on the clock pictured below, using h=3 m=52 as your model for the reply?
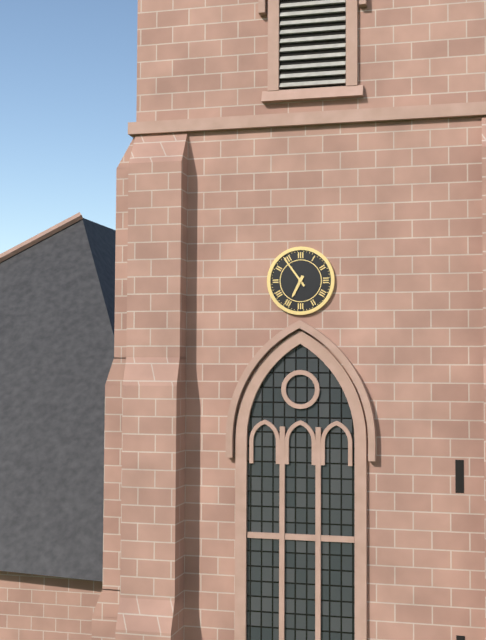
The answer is h=6 m=54
